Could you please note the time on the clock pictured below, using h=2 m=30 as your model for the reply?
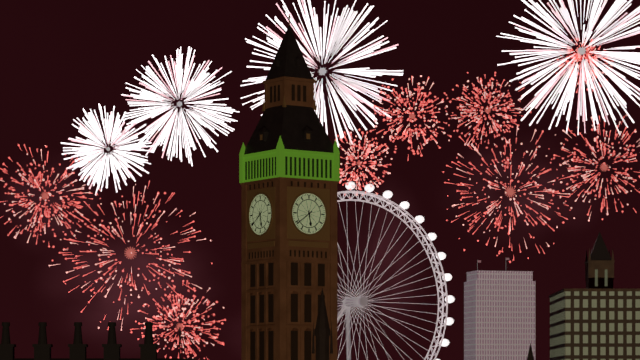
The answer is h=5 m=39
